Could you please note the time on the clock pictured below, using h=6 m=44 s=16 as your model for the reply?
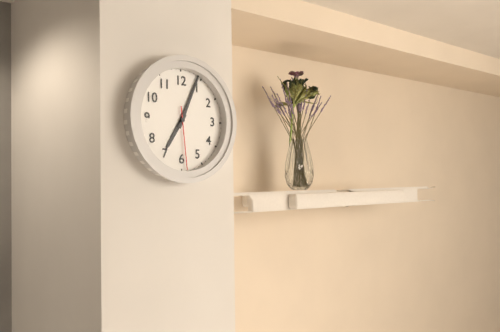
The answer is h=7 m=4 s=29
